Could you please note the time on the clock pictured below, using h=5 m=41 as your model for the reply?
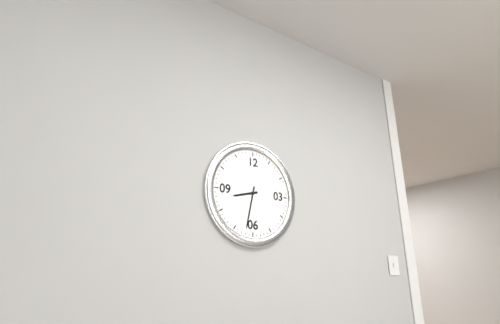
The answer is h=8 m=32
